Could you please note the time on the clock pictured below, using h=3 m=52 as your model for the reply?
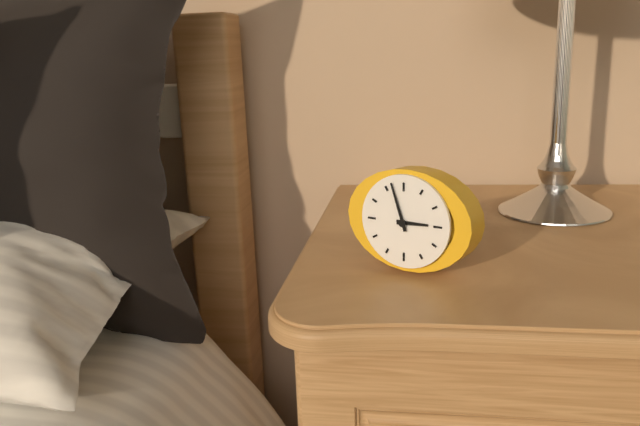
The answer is h=2 m=57
